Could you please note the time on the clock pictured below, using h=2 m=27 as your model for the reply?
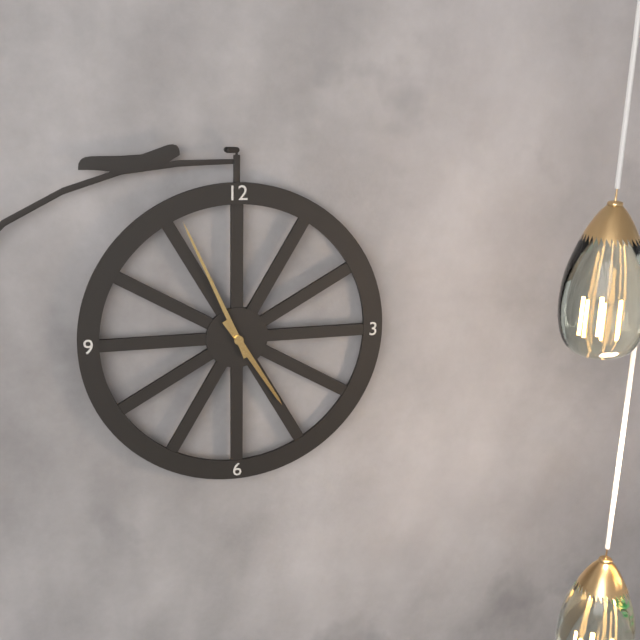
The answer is h=4 m=56
